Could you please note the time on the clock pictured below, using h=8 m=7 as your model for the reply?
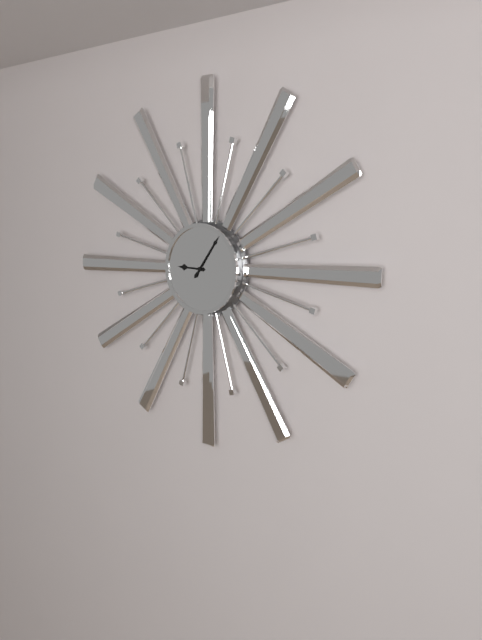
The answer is h=9 m=6
